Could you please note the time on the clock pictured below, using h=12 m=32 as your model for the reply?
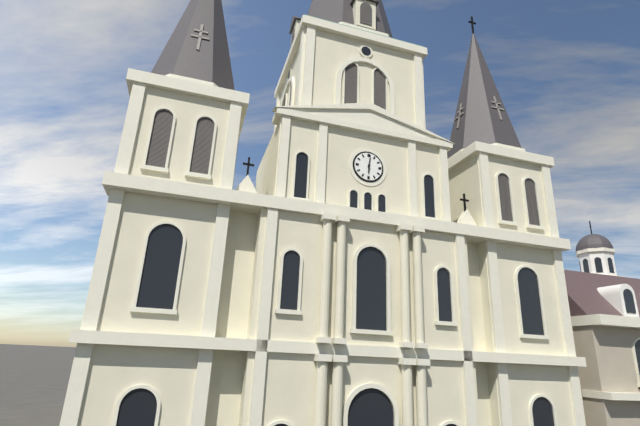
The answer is h=6 m=1
